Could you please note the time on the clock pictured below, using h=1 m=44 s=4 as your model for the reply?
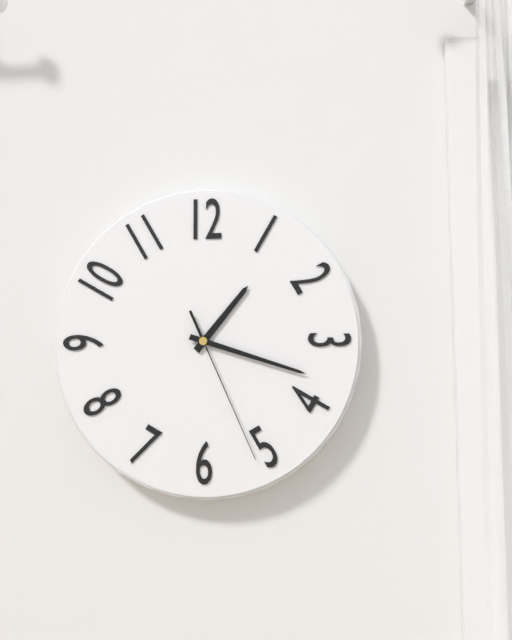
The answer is h=1 m=18 s=26
